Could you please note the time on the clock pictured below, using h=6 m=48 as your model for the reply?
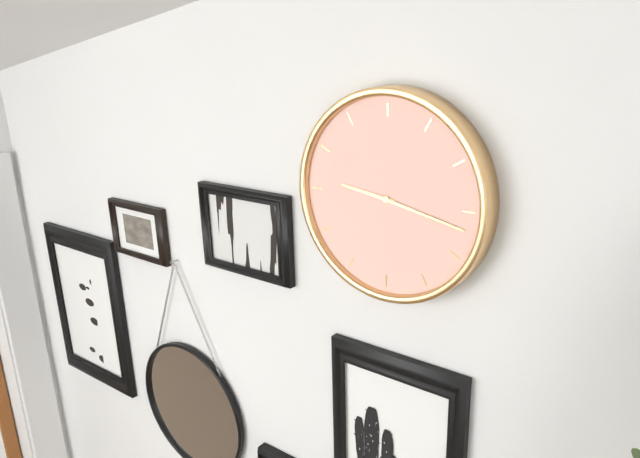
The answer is h=9 m=17
